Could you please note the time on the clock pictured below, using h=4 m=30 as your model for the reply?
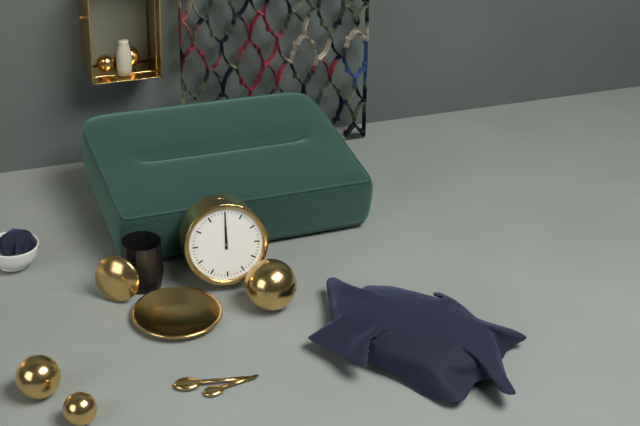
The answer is h=12 m=0
